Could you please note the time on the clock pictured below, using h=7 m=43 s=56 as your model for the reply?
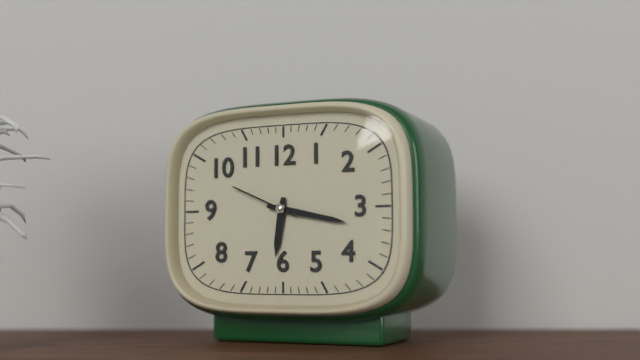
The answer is h=6 m=17 s=49
